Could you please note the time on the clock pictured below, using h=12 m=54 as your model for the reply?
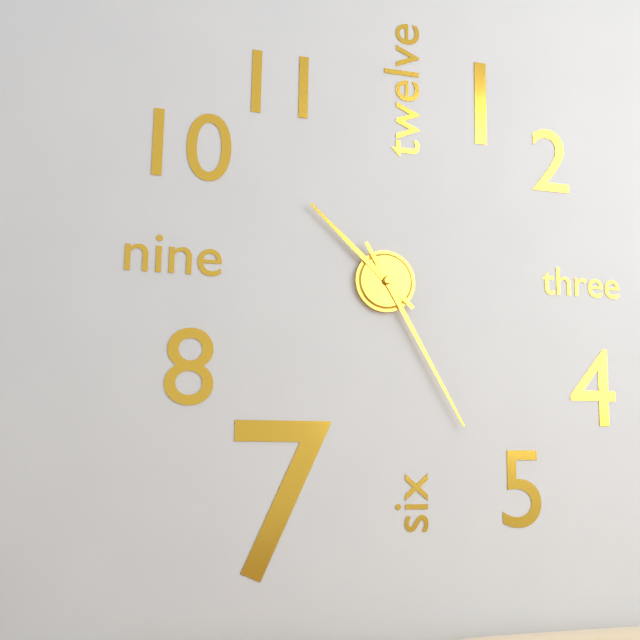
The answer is h=10 m=25
